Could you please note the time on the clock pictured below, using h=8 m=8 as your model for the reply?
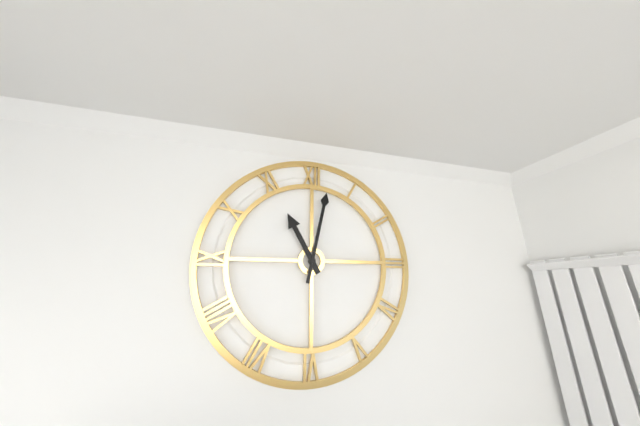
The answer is h=11 m=2
